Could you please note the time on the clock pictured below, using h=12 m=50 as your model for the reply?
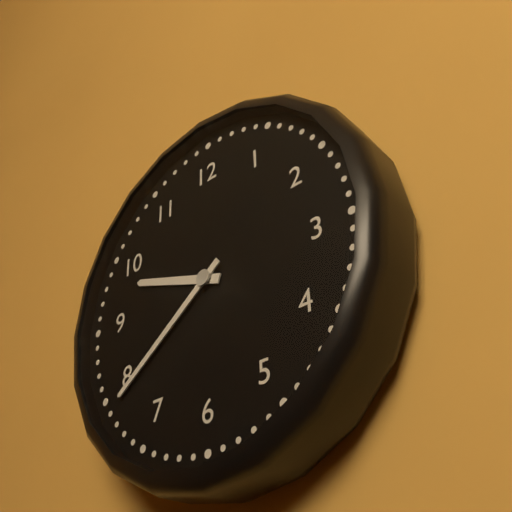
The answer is h=9 m=39
